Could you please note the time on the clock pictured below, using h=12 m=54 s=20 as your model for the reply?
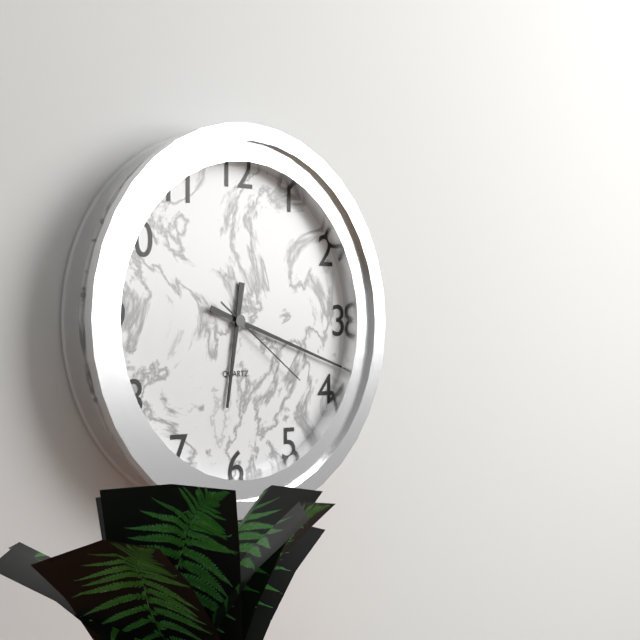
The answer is h=6 m=18 s=21
